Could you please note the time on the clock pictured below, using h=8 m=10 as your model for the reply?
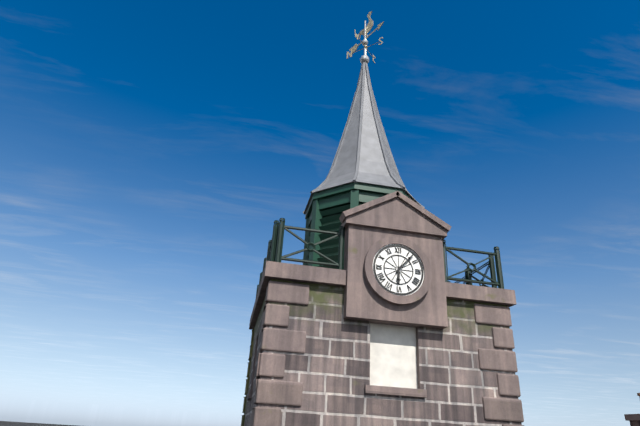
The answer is h=6 m=7
